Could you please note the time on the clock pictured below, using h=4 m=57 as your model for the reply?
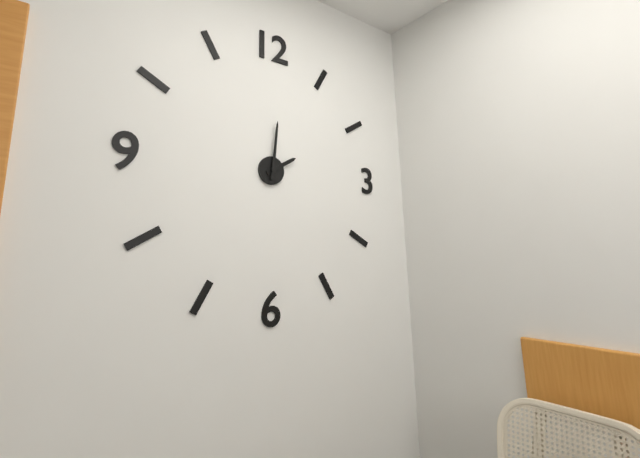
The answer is h=2 m=1
